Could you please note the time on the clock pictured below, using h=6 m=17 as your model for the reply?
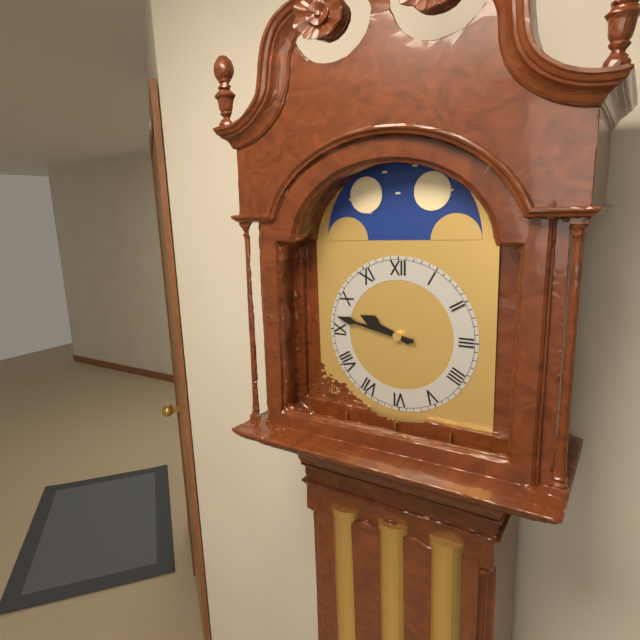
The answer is h=9 m=47
